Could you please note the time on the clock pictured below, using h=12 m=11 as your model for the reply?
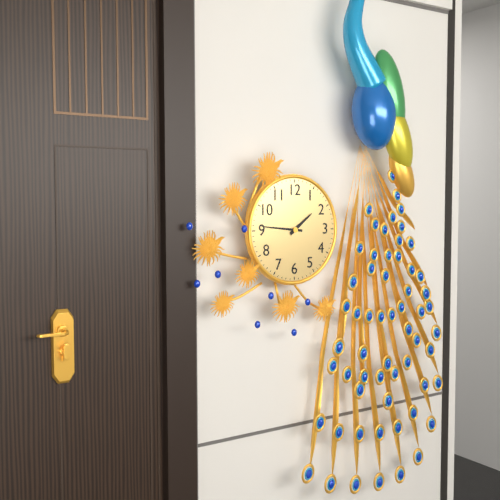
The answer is h=1 m=46
